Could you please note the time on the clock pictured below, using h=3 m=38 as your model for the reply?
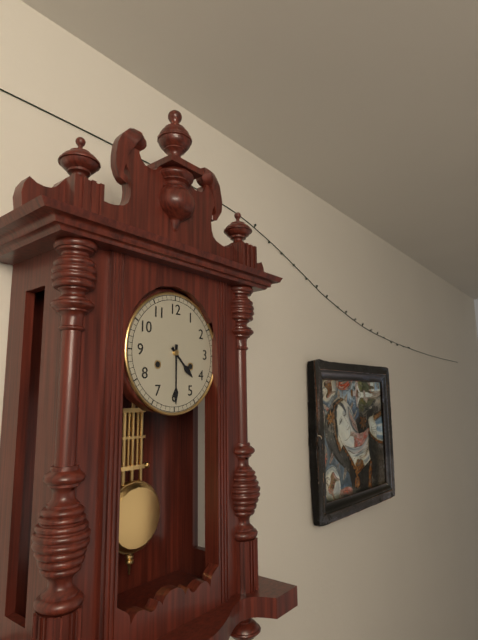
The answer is h=4 m=30
